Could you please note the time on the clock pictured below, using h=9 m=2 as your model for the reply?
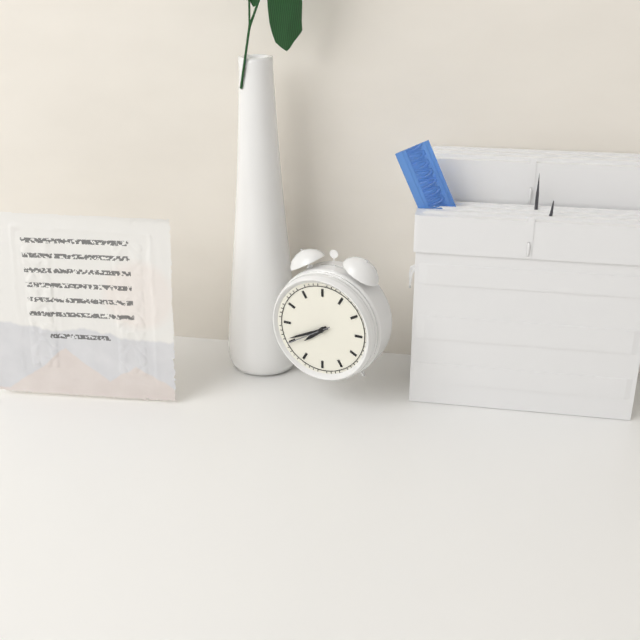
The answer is h=7 m=41
